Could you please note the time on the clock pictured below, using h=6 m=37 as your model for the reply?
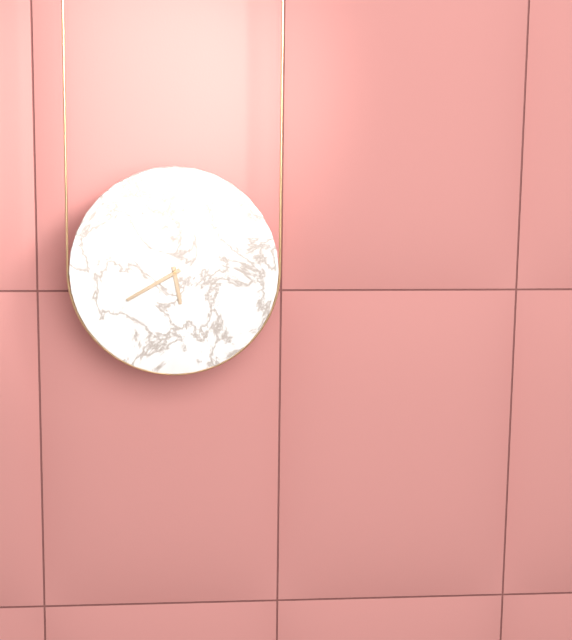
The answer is h=5 m=40
